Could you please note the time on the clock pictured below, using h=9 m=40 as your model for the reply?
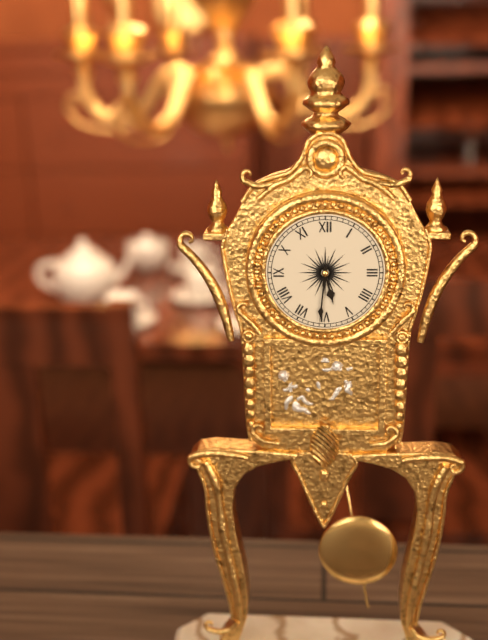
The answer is h=5 m=31
